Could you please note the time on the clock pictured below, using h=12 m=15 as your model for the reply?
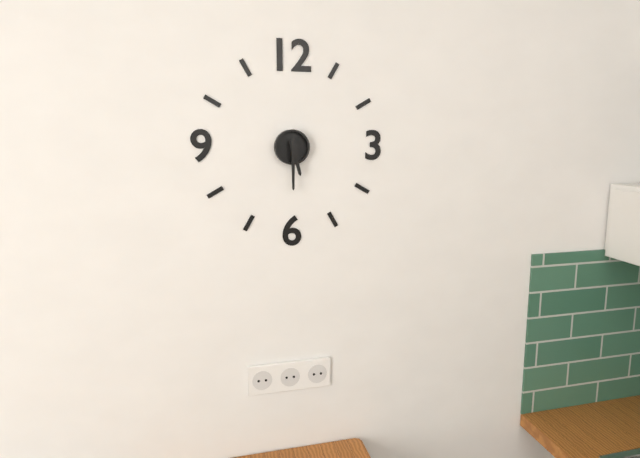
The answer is h=5 m=30
